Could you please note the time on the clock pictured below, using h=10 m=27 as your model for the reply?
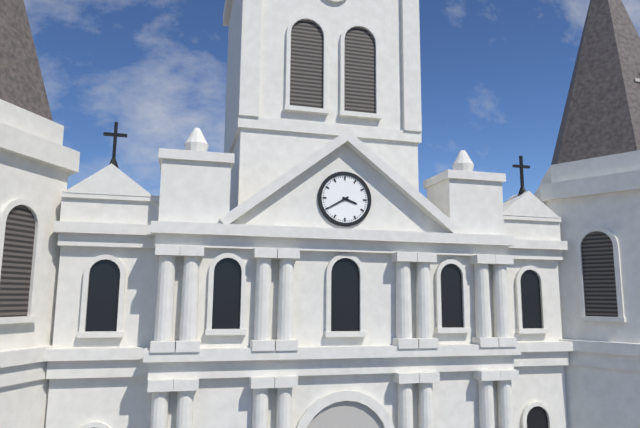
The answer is h=3 m=40
